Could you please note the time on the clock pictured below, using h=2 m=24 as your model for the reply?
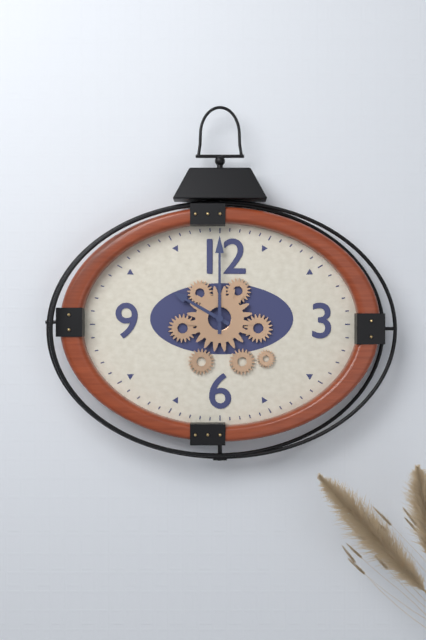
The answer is h=10 m=0
